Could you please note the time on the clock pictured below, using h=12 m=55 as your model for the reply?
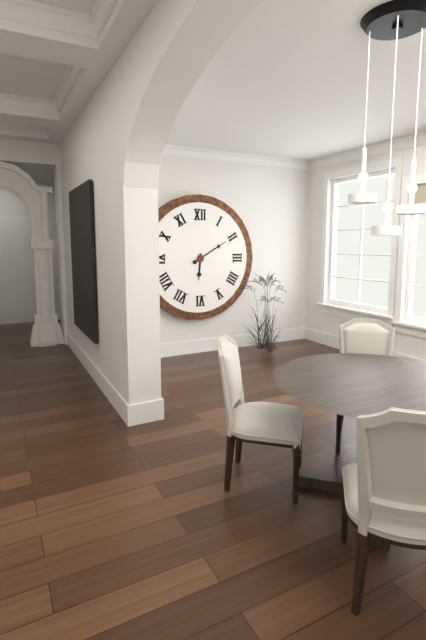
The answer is h=6 m=10
